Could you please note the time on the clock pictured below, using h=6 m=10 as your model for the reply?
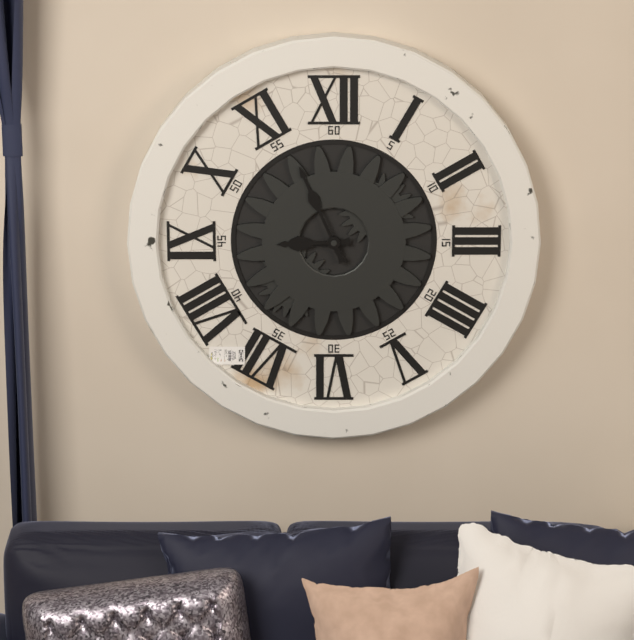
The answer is h=8 m=56
